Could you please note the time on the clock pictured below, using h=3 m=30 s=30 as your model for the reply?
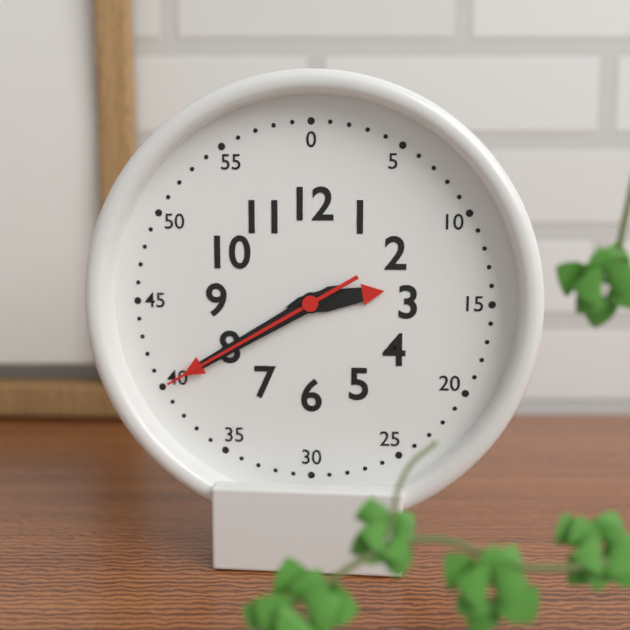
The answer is h=2 m=40 s=40
